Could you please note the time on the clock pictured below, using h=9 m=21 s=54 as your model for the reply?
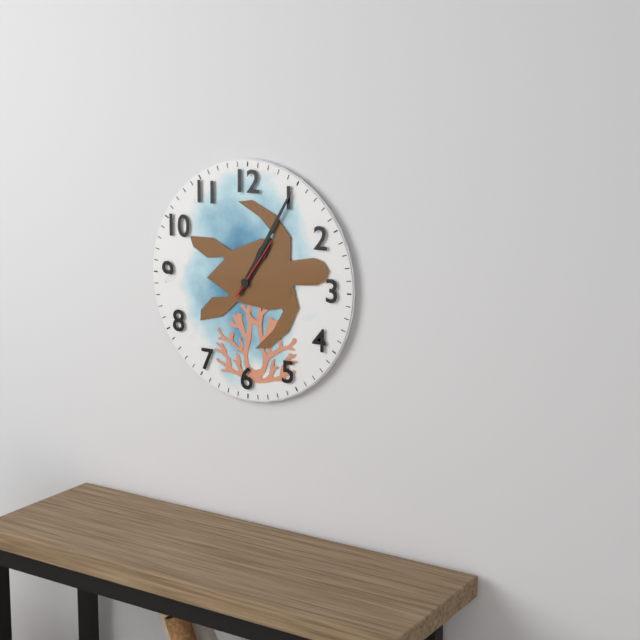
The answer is h=1 m=5 s=6
